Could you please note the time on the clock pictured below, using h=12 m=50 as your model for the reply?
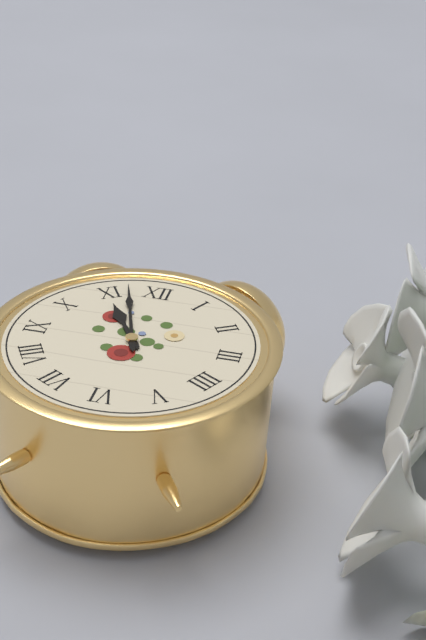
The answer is h=10 m=57
